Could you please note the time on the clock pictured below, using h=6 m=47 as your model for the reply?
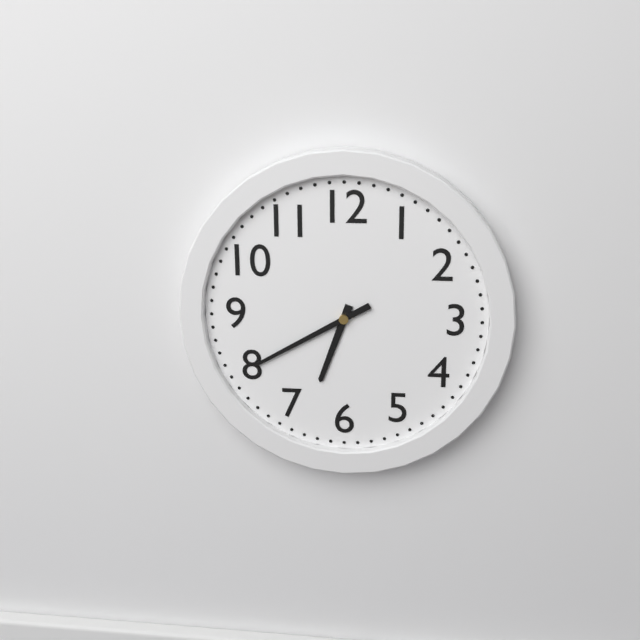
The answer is h=6 m=40
